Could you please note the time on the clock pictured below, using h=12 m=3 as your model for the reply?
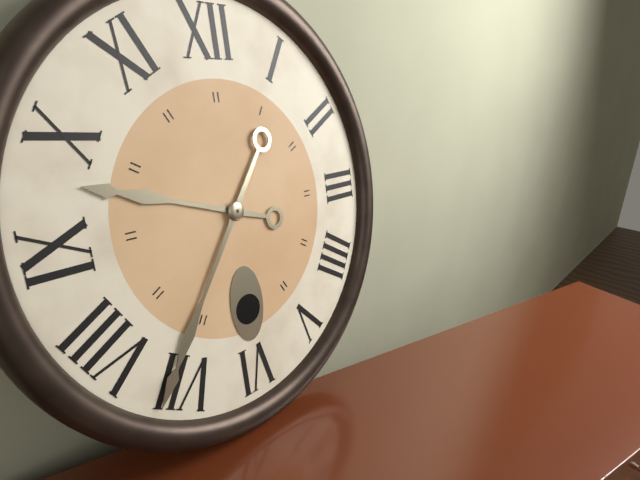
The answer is h=9 m=36
